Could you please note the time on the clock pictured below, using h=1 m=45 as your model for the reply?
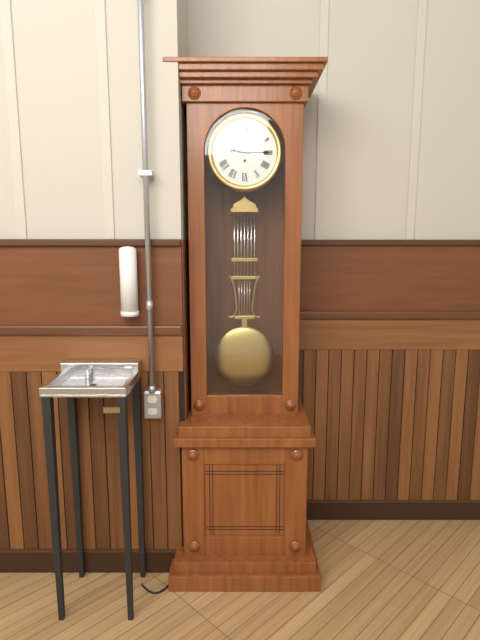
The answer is h=9 m=15
